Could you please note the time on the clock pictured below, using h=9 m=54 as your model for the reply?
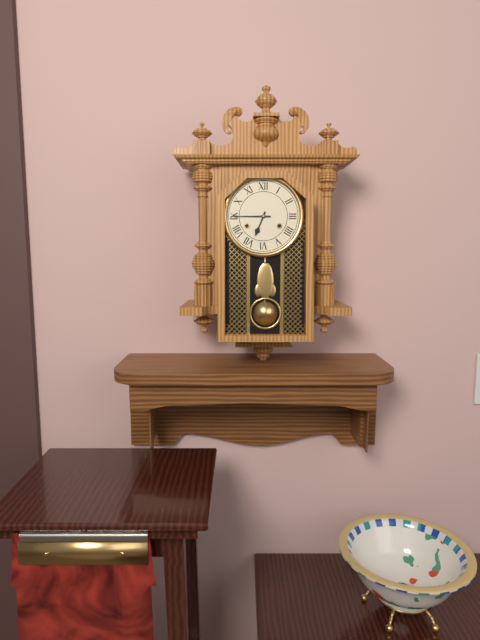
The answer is h=6 m=45
